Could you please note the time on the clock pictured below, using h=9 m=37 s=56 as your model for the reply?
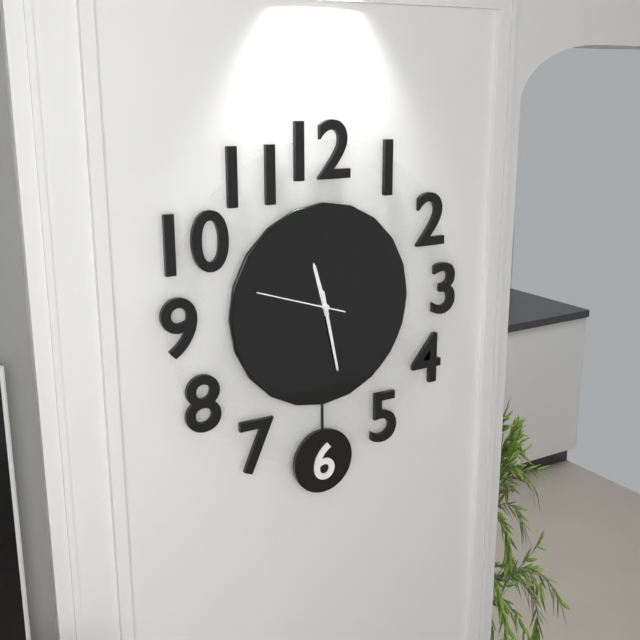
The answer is h=11 m=28 s=48
